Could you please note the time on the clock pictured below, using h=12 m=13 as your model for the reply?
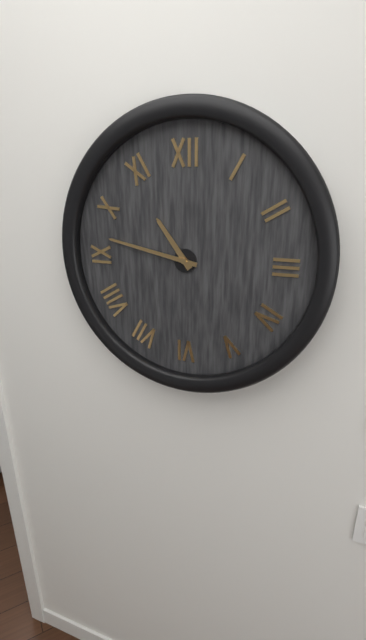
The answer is h=10 m=47
